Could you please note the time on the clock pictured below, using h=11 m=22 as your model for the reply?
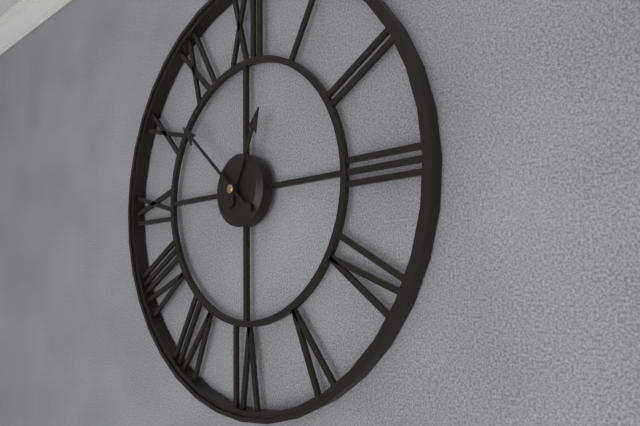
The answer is h=12 m=52
